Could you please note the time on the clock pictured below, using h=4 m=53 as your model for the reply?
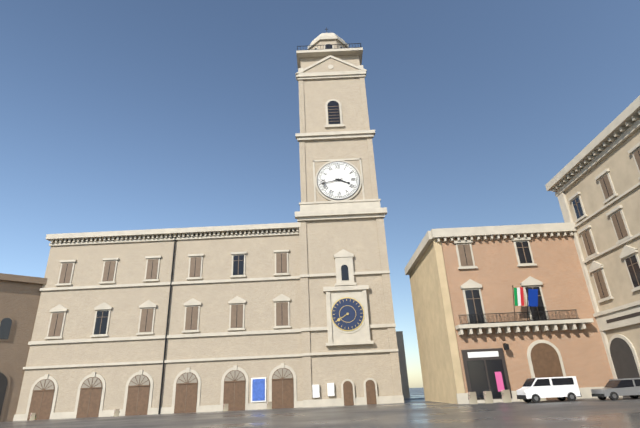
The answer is h=3 m=43
